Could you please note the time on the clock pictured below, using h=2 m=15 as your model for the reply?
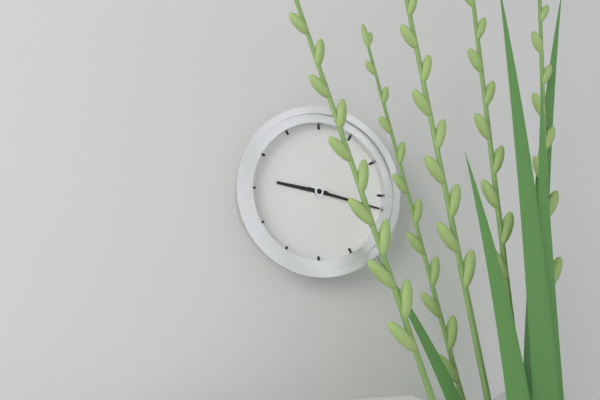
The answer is h=9 m=17
